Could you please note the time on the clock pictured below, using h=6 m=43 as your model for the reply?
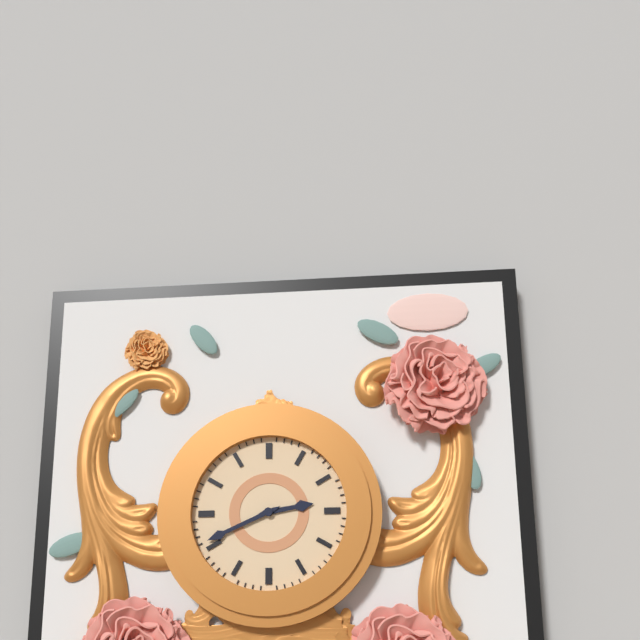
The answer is h=2 m=41
